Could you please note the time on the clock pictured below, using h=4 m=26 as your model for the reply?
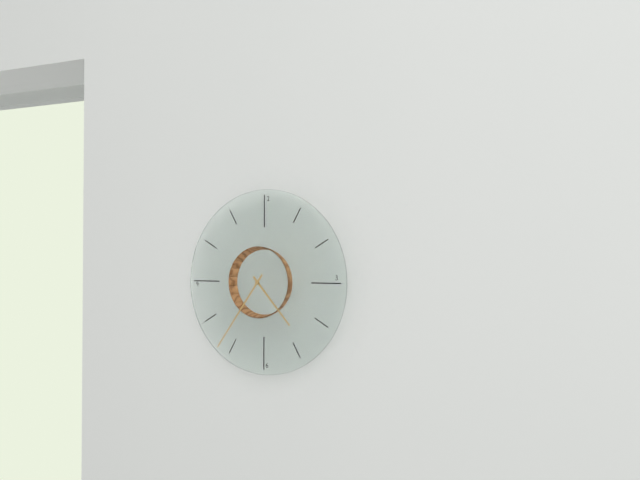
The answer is h=4 m=36
